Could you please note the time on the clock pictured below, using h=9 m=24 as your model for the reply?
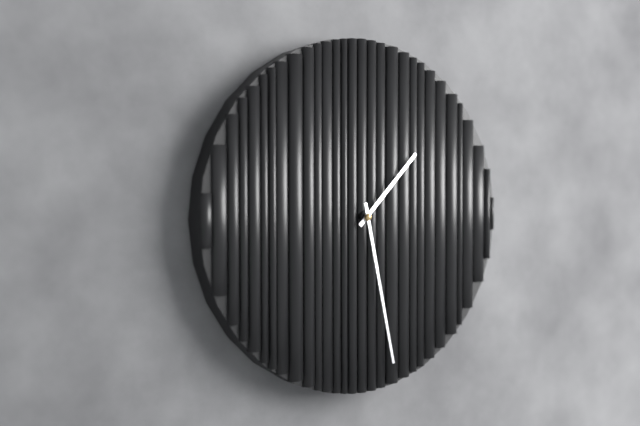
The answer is h=1 m=28
